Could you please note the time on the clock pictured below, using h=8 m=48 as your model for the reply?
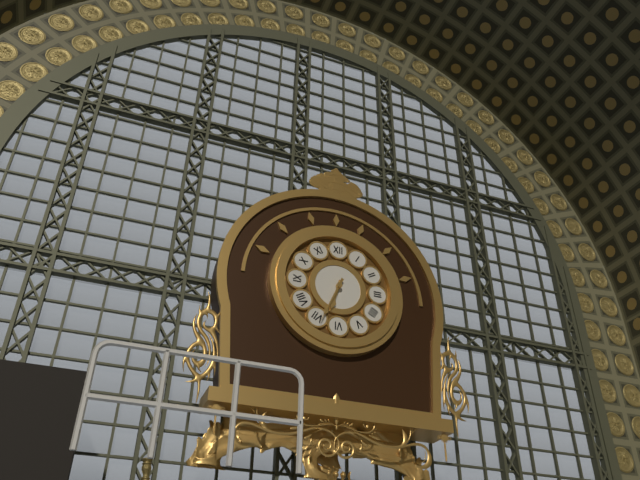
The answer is h=6 m=34
